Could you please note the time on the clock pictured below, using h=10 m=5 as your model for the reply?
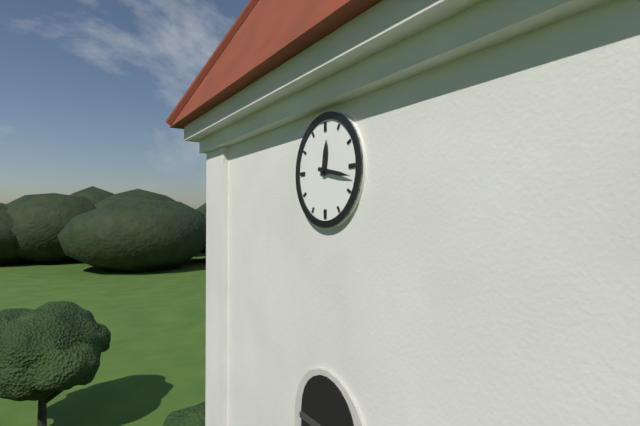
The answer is h=12 m=17
